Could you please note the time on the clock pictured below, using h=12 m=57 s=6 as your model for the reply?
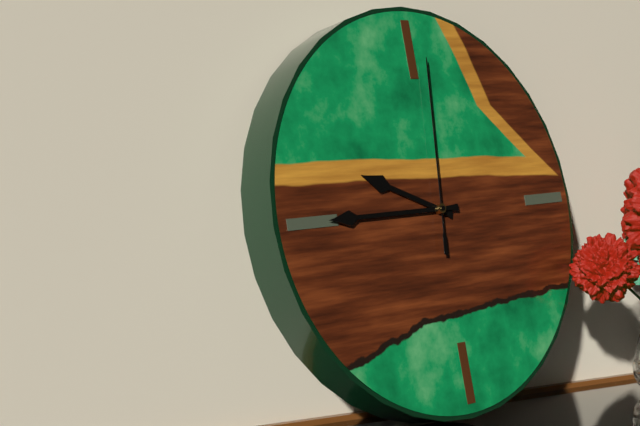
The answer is h=9 m=45 s=1
